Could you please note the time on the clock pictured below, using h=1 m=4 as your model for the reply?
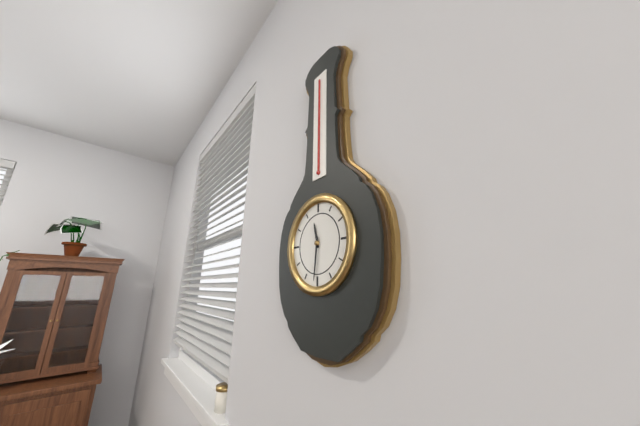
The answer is h=11 m=31
